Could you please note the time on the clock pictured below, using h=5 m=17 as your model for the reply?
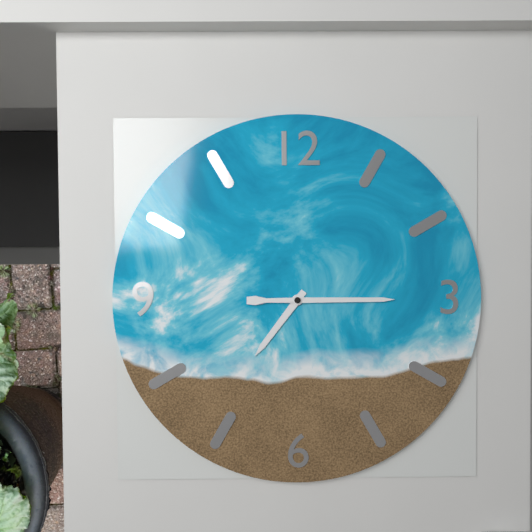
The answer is h=7 m=15
